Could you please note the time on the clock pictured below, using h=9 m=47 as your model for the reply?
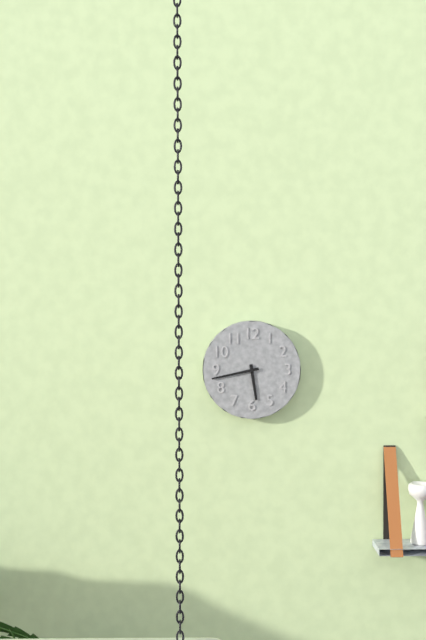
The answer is h=5 m=43
